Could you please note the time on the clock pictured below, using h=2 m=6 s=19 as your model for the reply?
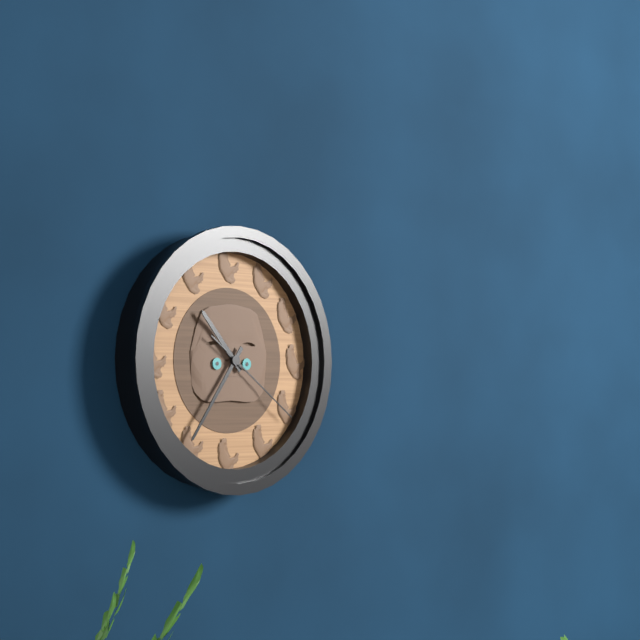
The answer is h=10 m=36 s=21
